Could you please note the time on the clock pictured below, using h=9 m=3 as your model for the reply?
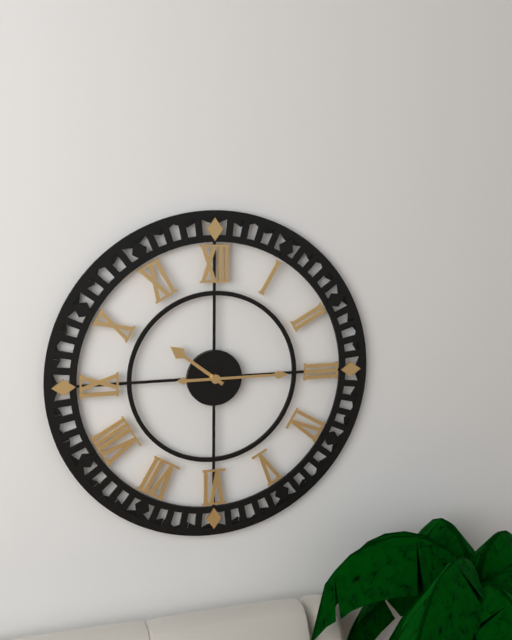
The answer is h=10 m=15
